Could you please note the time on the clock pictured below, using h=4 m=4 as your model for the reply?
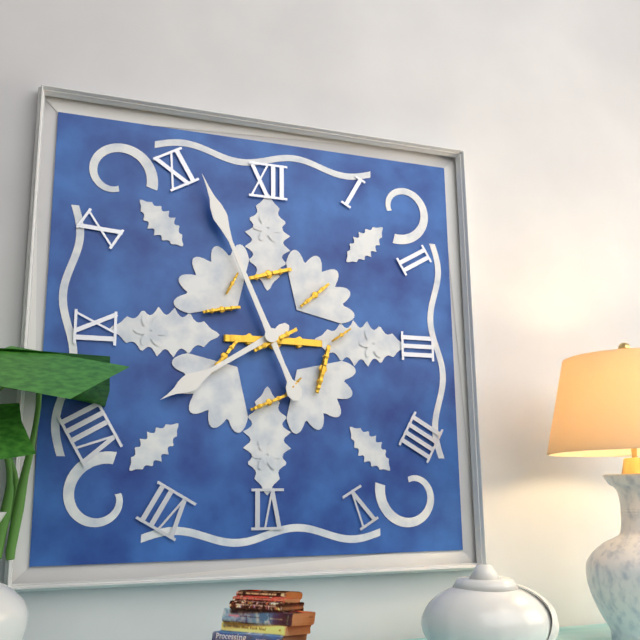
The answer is h=7 m=56
